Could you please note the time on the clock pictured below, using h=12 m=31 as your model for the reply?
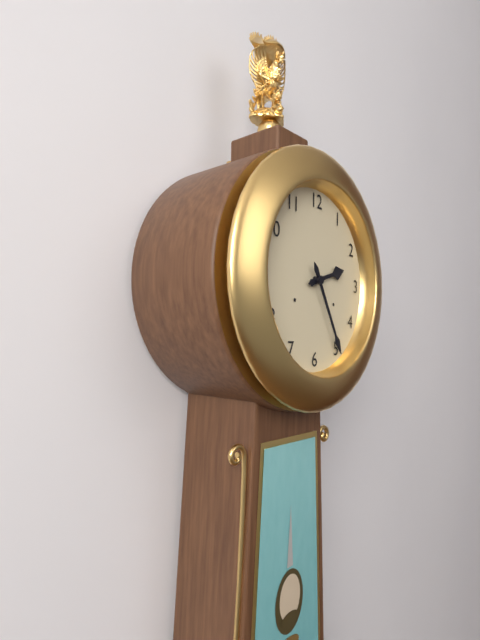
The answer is h=2 m=25
